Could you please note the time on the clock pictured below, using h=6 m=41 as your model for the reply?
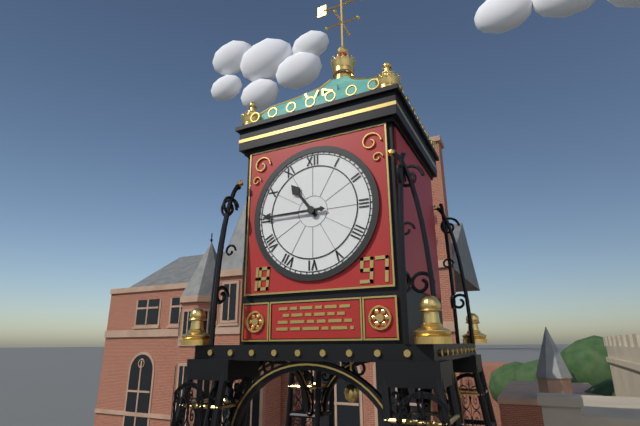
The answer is h=10 m=45
